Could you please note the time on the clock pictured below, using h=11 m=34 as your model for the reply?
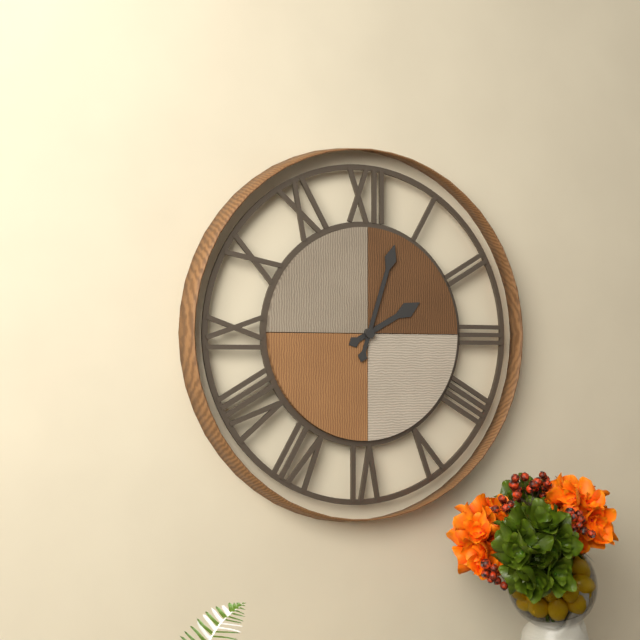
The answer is h=2 m=3
